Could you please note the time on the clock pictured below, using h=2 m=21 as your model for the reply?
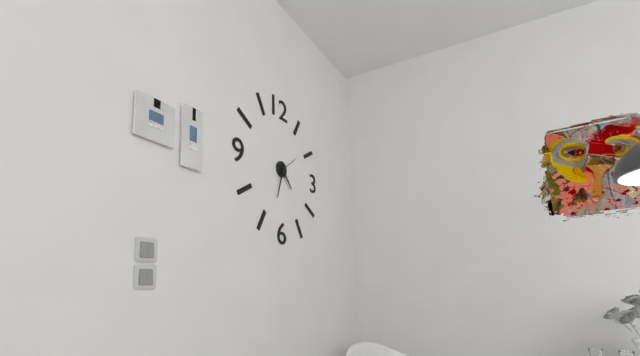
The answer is h=4 m=33
